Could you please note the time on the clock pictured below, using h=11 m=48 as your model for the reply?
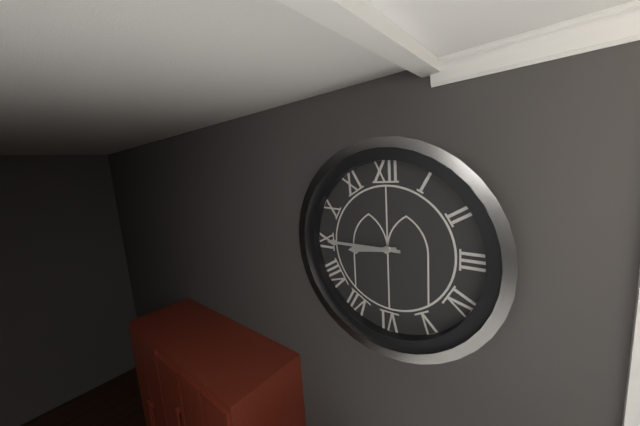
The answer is h=8 m=45
